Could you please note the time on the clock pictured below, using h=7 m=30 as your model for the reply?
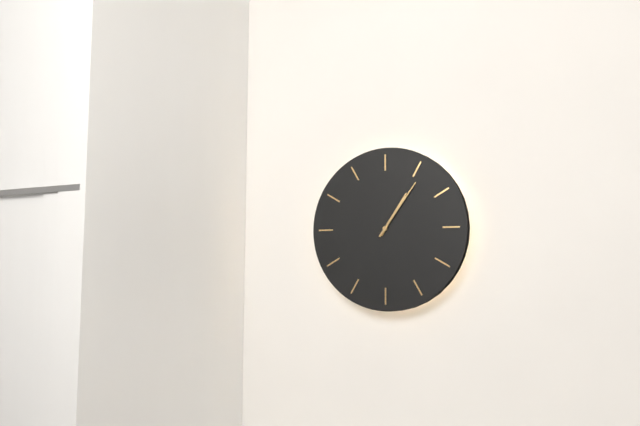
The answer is h=1 m=6
